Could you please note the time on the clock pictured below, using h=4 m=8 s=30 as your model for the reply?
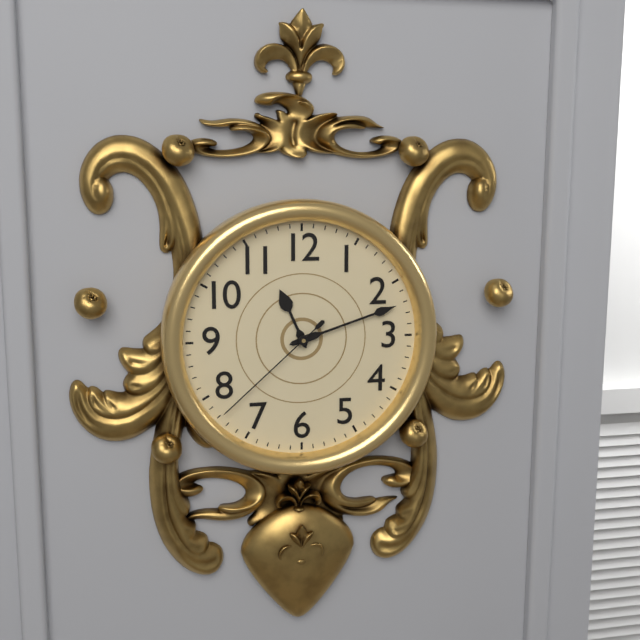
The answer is h=11 m=12 s=38
